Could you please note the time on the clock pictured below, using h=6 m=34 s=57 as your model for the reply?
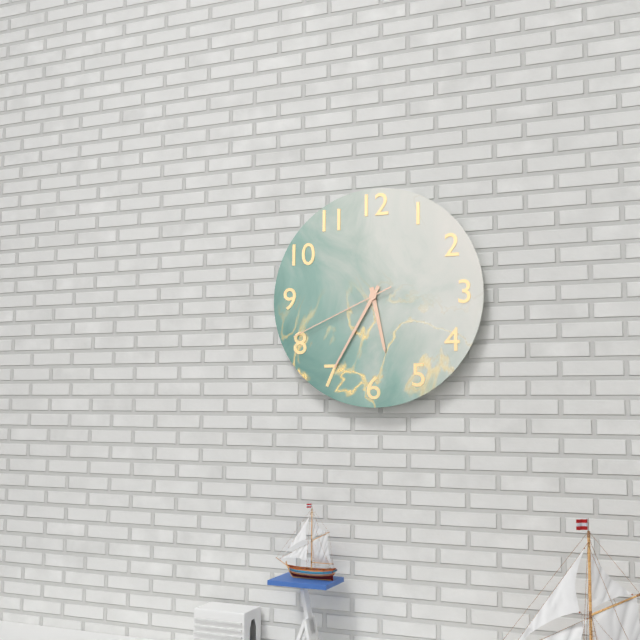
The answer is h=5 m=35 s=41
